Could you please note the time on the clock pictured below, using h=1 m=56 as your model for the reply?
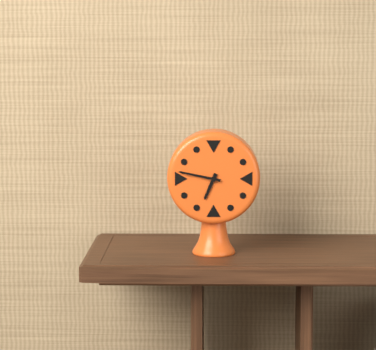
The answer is h=6 m=47
